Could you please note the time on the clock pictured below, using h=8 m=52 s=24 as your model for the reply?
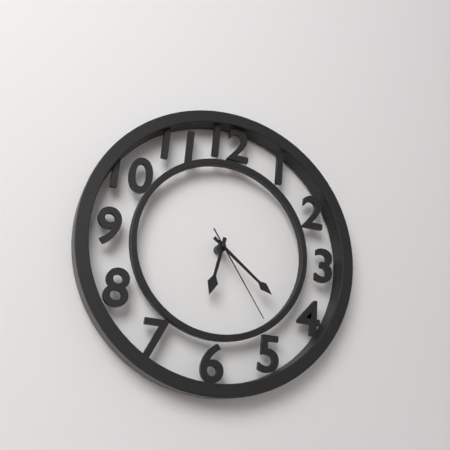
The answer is h=6 m=21 s=24
